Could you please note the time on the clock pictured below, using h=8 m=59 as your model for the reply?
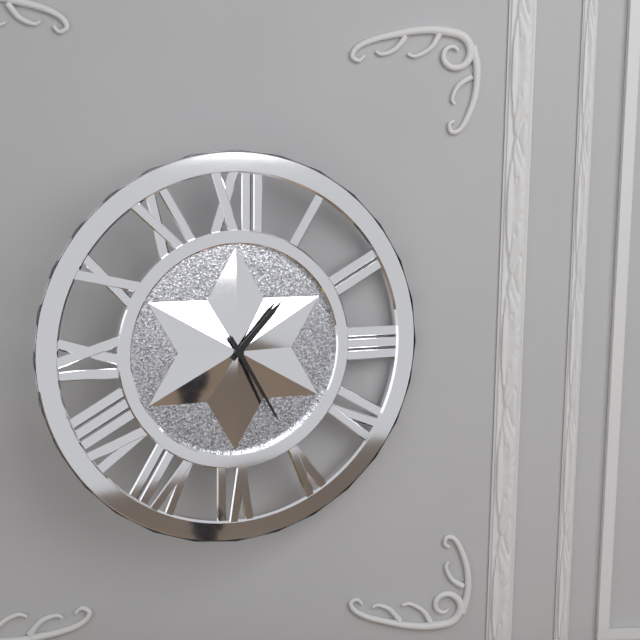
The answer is h=1 m=25
